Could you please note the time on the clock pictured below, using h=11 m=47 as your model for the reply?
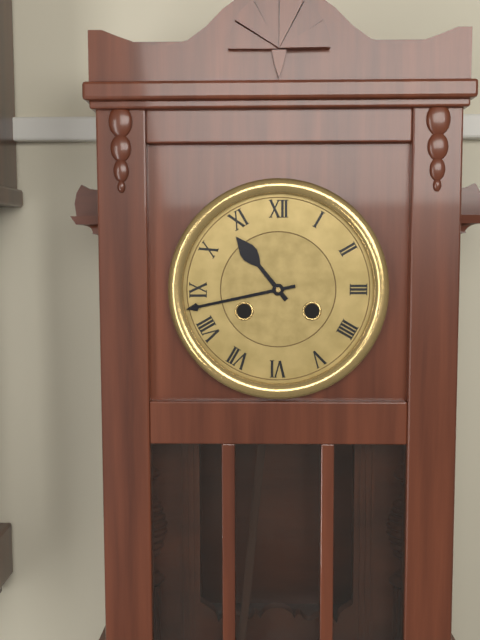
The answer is h=10 m=43
